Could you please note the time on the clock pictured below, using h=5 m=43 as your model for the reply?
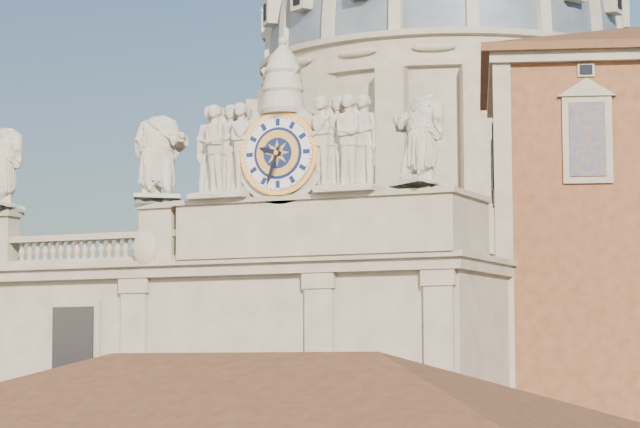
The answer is h=9 m=33
